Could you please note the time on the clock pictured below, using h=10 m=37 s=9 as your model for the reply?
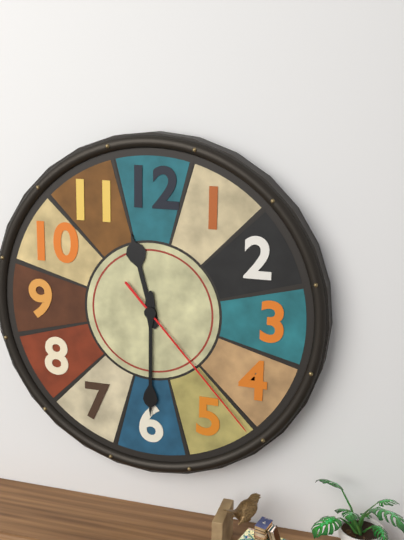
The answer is h=11 m=30 s=23
